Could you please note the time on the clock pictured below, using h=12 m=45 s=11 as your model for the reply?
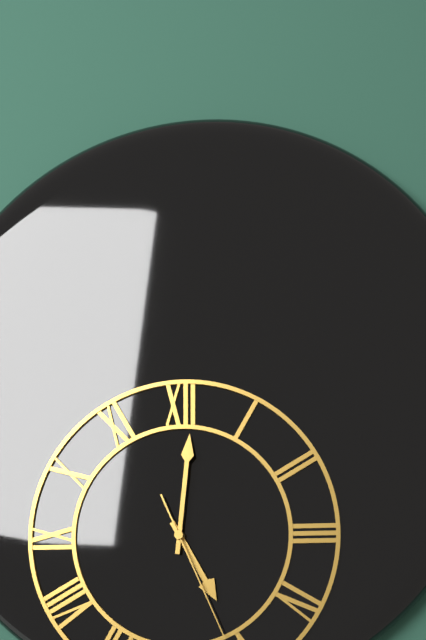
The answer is h=5 m=1 s=26
